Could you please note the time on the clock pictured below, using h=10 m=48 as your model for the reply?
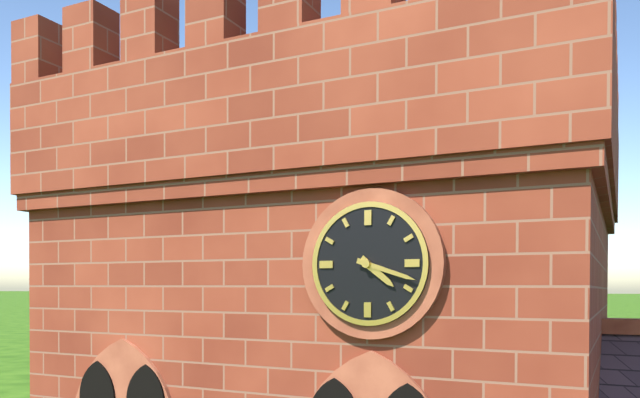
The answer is h=4 m=18
